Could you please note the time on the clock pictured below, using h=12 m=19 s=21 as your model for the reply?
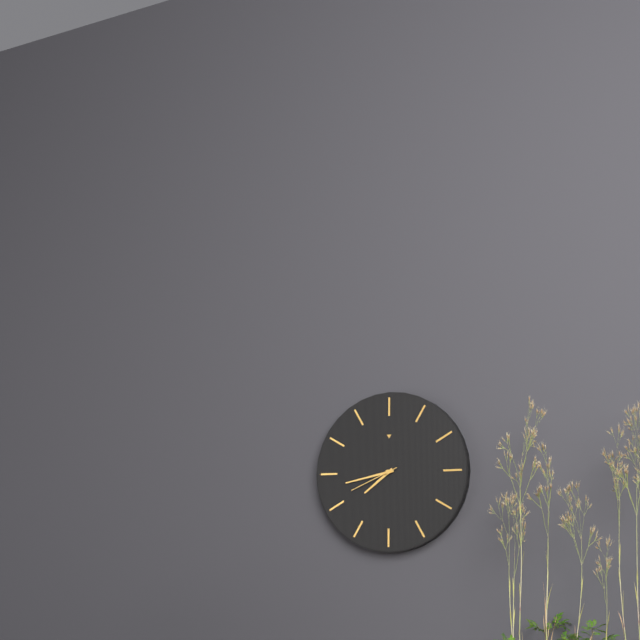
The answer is h=7 m=43 s=41
